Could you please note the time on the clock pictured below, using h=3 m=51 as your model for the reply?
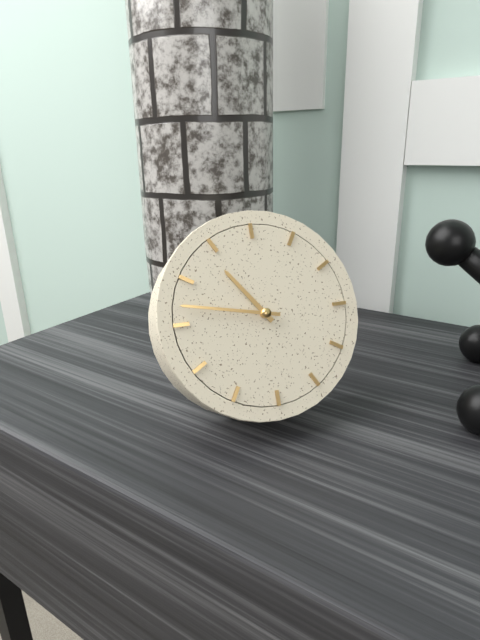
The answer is h=10 m=47
